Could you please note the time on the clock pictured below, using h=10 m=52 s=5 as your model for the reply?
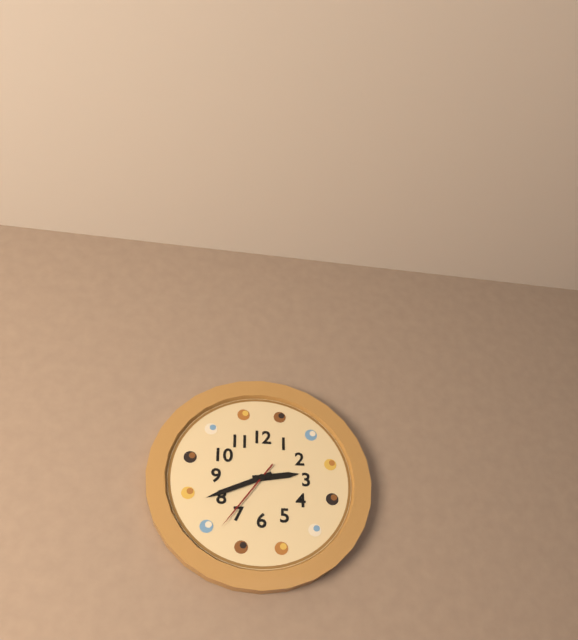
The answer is h=2 m=41 s=36
